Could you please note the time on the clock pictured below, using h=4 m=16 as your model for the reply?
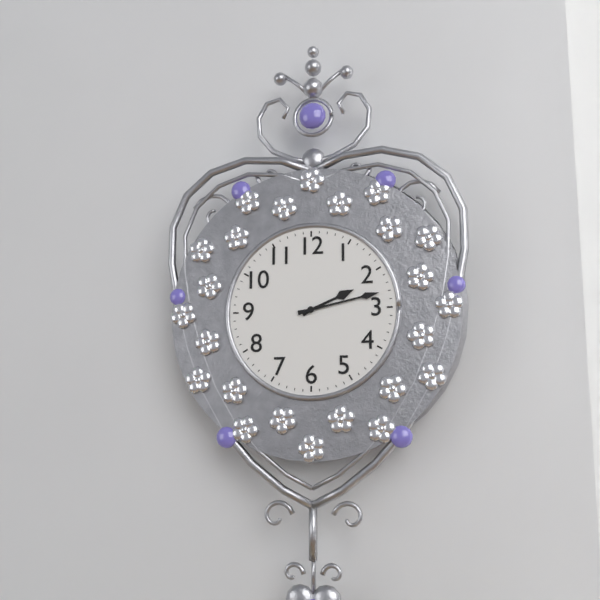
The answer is h=2 m=13
